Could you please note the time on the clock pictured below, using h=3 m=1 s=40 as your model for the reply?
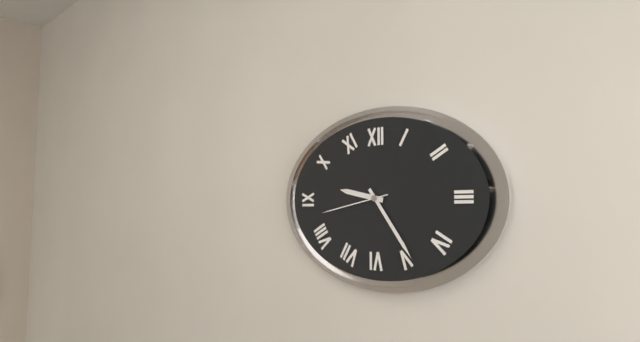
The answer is h=9 m=24 s=43
